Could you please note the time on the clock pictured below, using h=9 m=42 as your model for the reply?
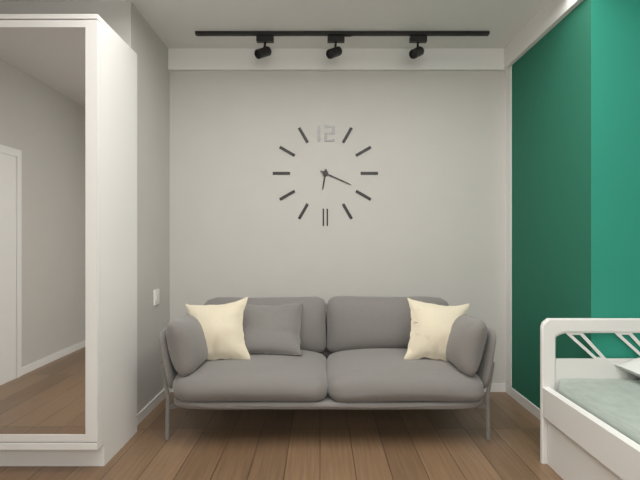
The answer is h=6 m=19
